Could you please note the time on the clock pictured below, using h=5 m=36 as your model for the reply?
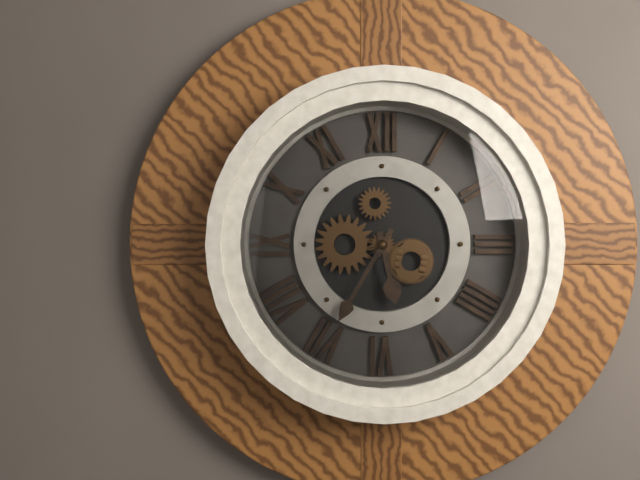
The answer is h=5 m=35
